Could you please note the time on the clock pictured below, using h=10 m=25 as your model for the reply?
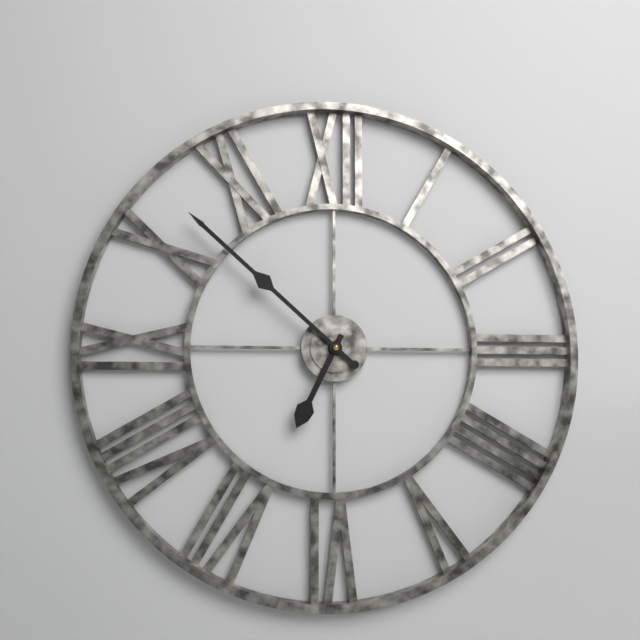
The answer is h=6 m=52
